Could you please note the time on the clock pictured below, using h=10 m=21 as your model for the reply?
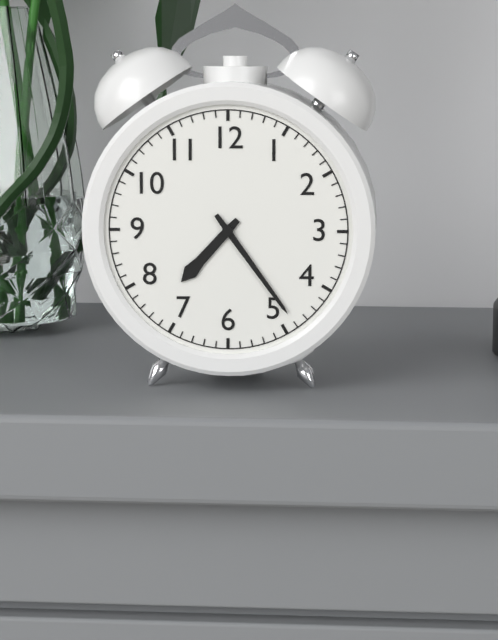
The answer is h=7 m=24
